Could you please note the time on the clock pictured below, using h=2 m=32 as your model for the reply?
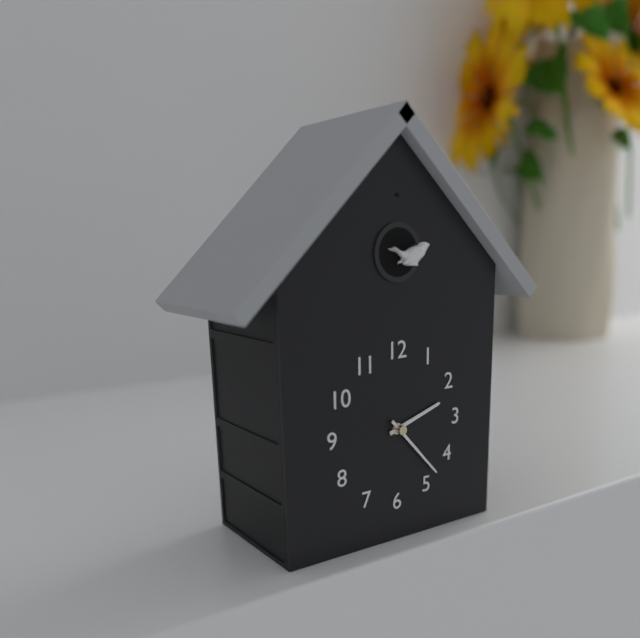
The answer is h=2 m=23
